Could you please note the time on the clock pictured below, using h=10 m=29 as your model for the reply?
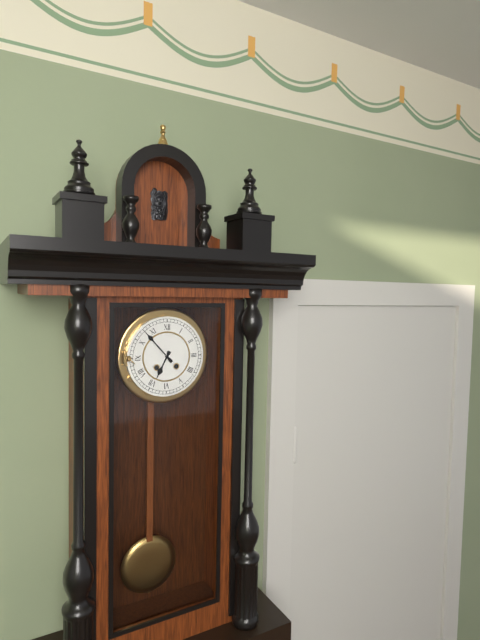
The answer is h=6 m=53
